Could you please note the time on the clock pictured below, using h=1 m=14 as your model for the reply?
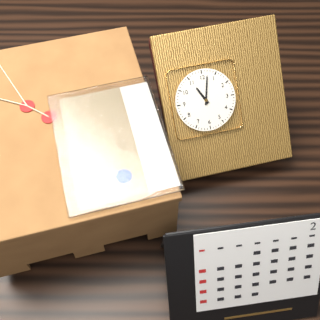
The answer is h=11 m=2
